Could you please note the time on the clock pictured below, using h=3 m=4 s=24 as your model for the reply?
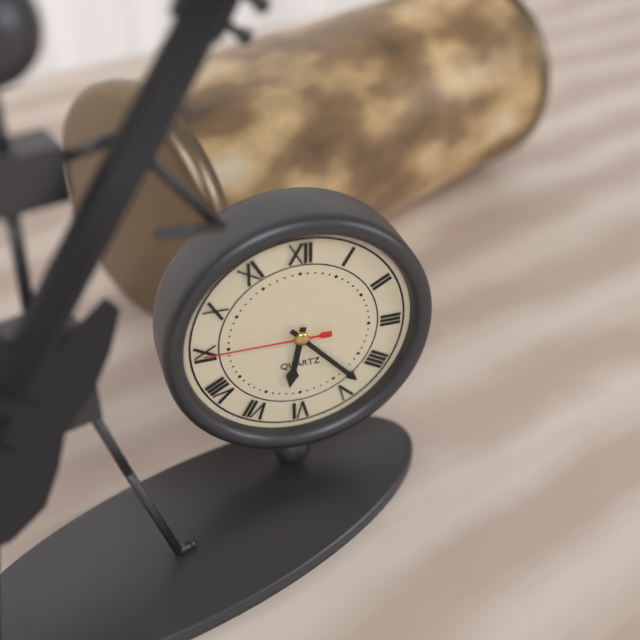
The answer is h=6 m=23 s=45
